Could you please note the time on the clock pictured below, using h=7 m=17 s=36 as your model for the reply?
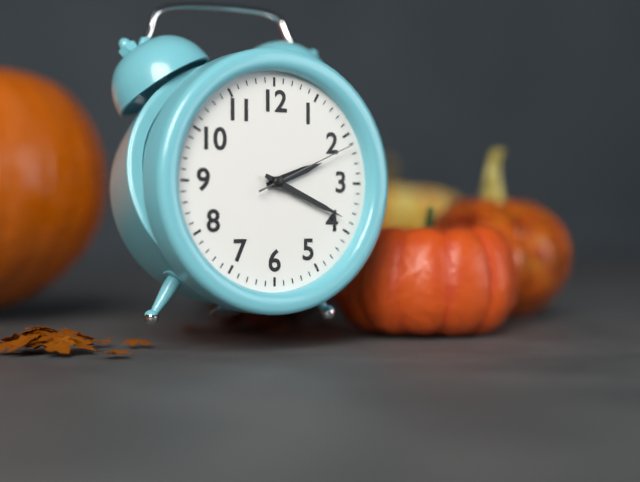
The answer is h=2 m=19 s=11
